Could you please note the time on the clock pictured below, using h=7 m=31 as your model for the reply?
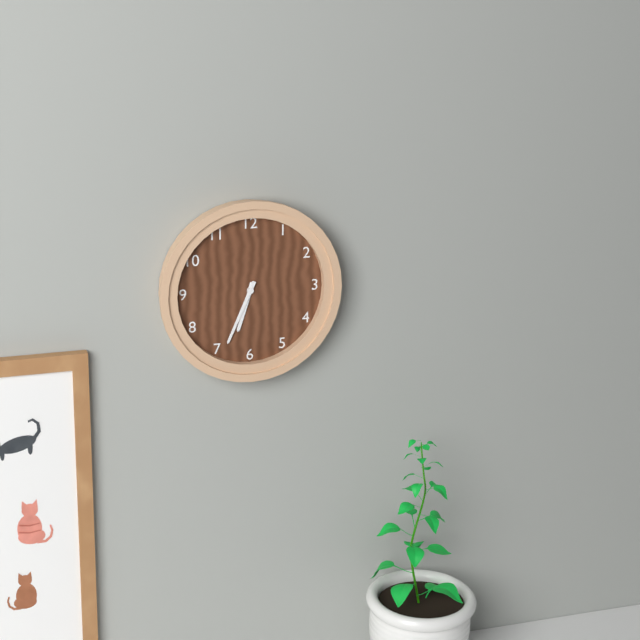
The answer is h=6 m=34
